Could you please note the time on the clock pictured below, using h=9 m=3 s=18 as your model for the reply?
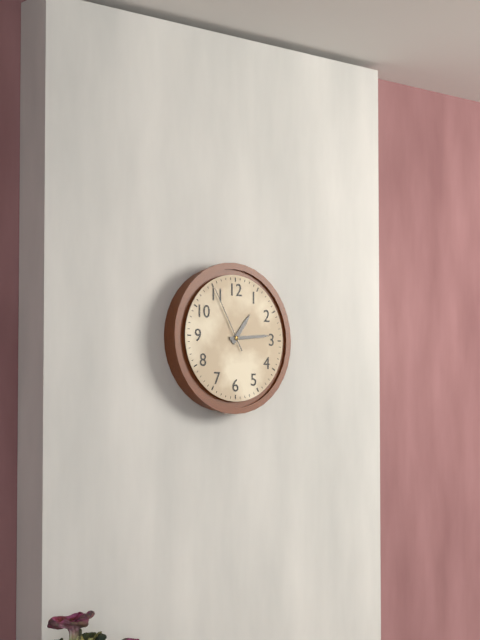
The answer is h=1 m=14 s=55
